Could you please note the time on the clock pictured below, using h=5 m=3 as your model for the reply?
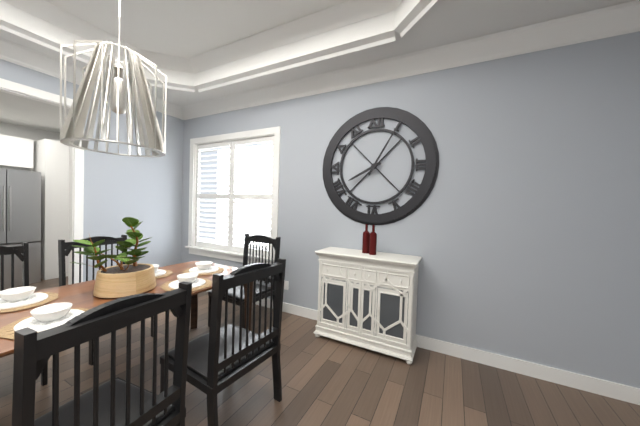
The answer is h=8 m=5
